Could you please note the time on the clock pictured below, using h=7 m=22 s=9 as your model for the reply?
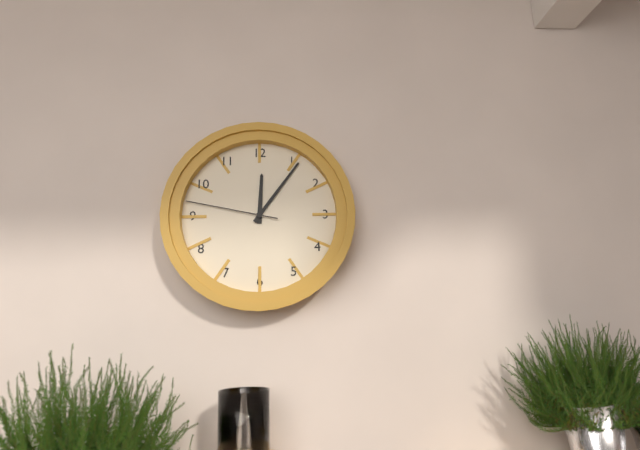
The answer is h=12 m=6 s=47
